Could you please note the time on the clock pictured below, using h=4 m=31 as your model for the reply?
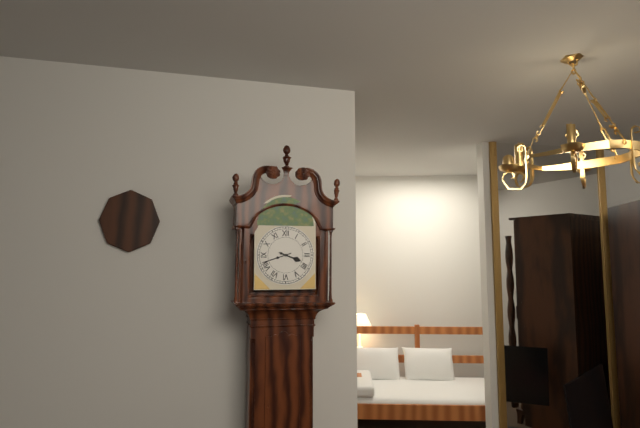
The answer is h=3 m=42
